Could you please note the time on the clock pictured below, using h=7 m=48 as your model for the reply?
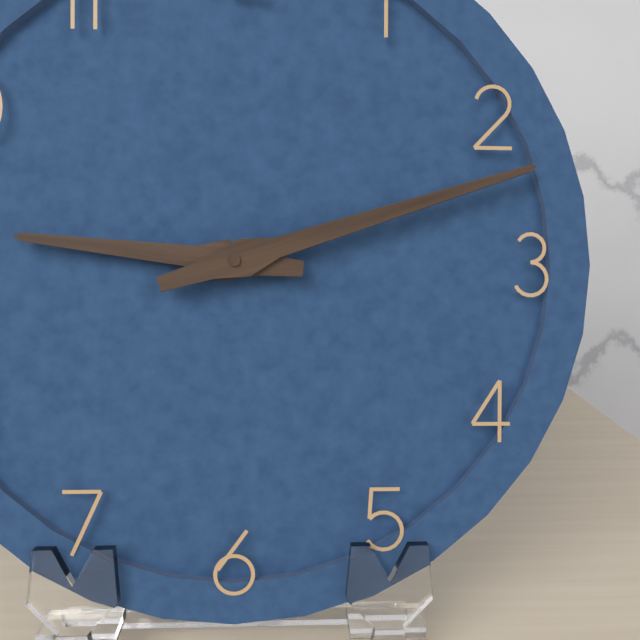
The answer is h=9 m=12
